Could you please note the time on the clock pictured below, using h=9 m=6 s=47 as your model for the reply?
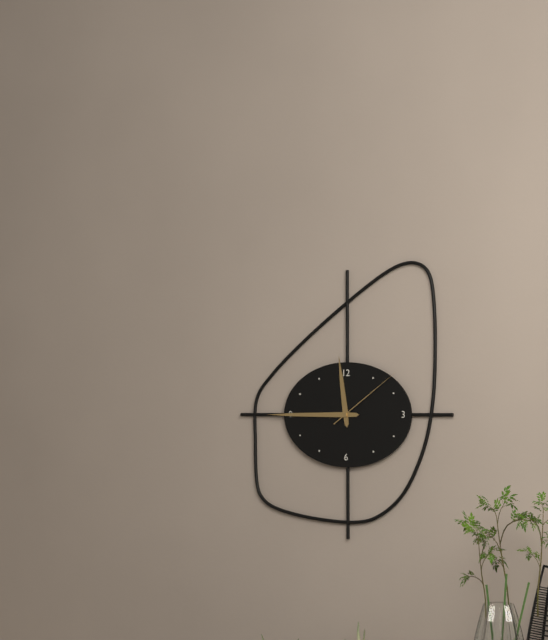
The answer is h=11 m=45 s=9
